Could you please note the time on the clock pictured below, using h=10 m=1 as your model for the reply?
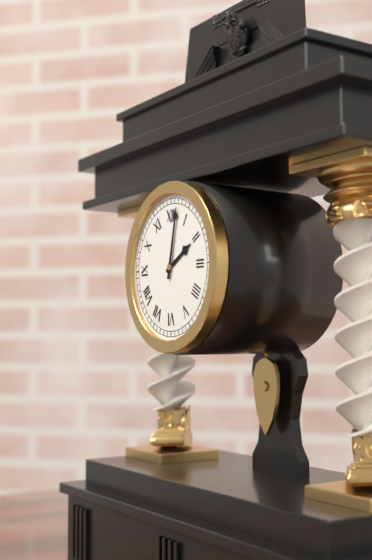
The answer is h=2 m=2
